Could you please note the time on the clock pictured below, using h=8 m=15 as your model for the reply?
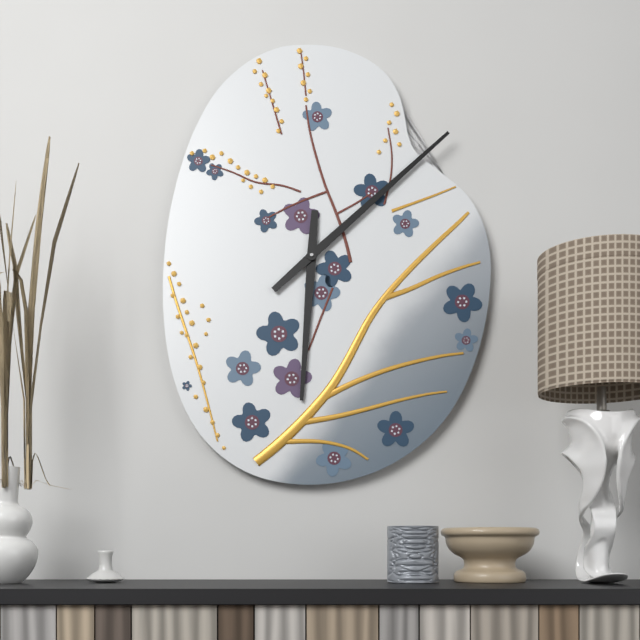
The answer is h=6 m=8
